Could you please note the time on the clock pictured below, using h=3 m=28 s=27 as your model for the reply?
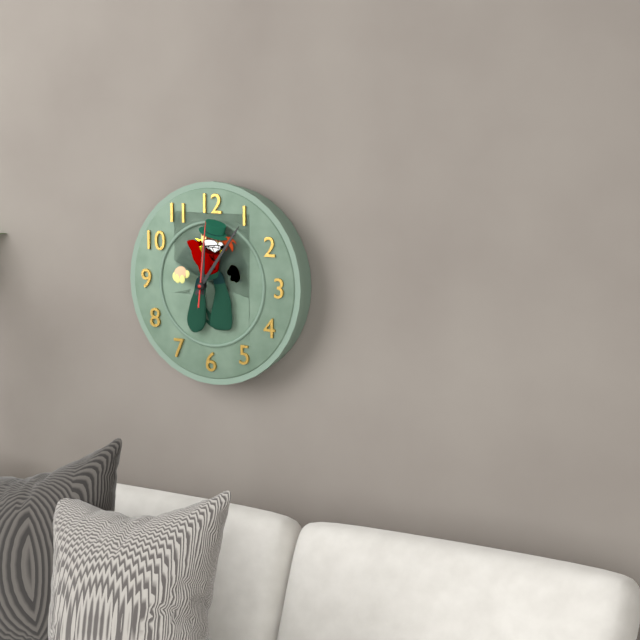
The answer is h=12 m=6 s=1
